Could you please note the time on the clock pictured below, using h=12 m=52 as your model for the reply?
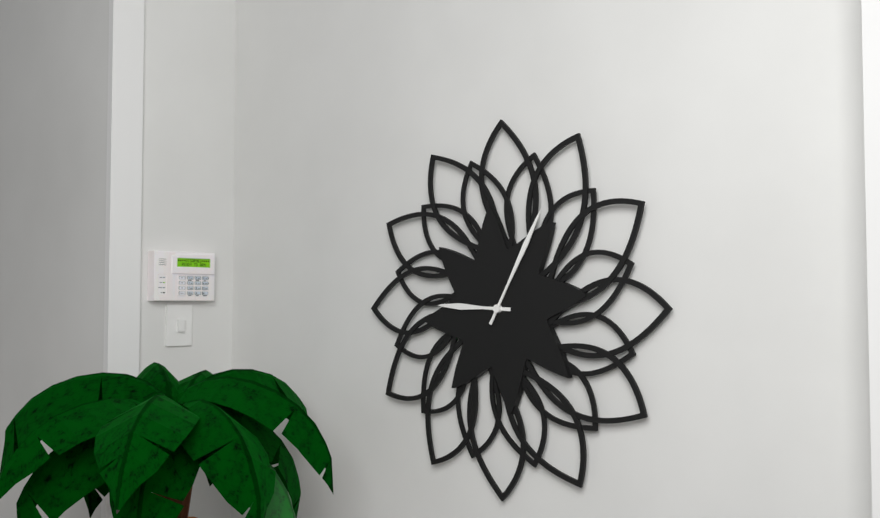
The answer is h=9 m=5
